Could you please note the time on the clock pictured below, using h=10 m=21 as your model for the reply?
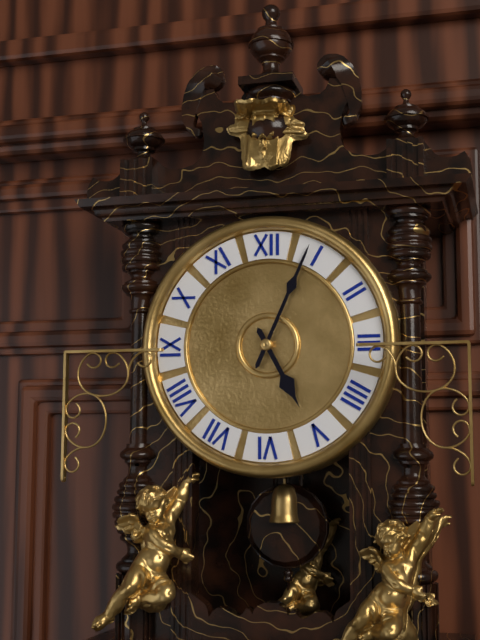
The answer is h=5 m=4
